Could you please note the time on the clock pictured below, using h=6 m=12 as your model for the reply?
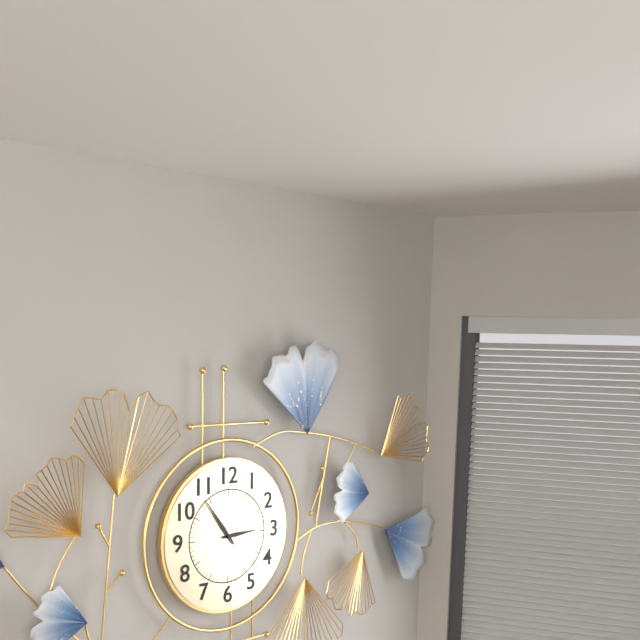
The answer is h=2 m=54
